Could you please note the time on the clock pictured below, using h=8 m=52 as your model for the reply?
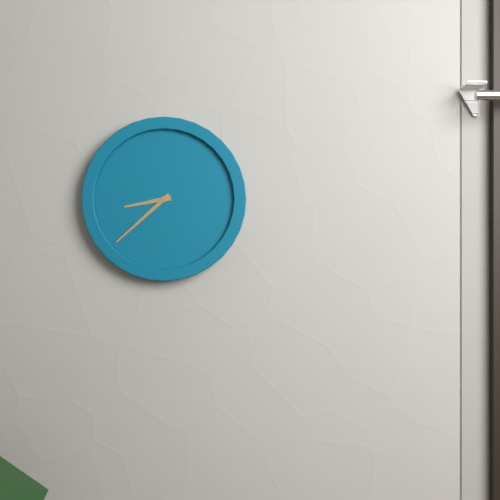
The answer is h=8 m=38
